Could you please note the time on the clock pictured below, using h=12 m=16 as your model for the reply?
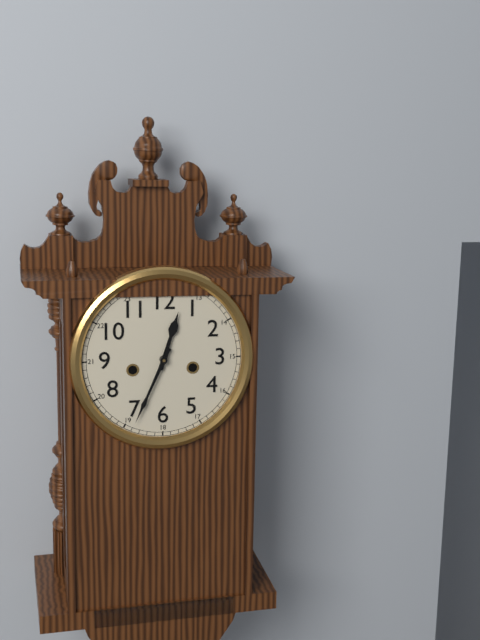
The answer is h=12 m=34
